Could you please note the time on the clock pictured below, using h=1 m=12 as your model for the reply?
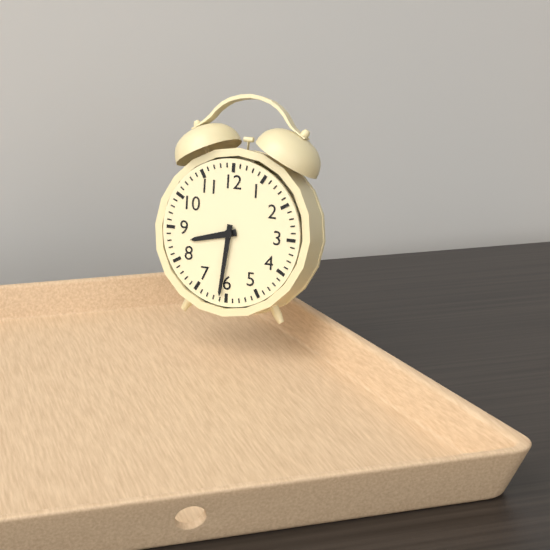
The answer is h=8 m=31
